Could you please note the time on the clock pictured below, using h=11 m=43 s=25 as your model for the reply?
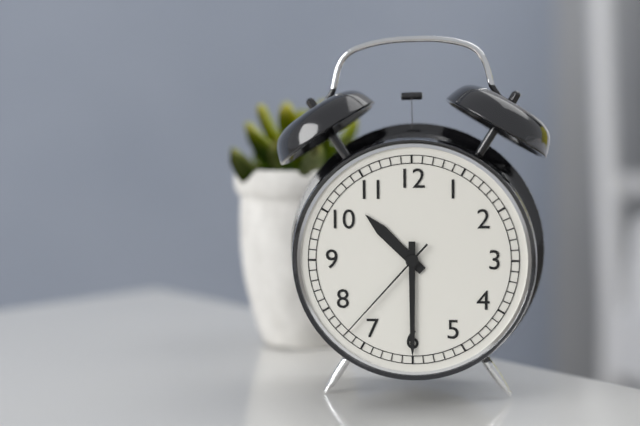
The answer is h=10 m=30 s=37
